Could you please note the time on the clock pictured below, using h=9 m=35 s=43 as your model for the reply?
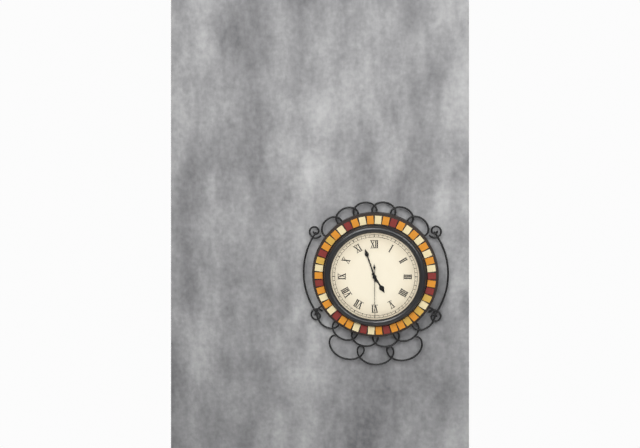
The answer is h=4 m=57 s=30
